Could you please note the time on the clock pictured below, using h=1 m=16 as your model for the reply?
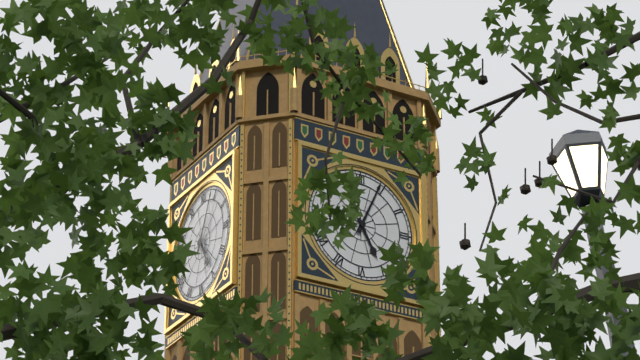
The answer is h=5 m=4
